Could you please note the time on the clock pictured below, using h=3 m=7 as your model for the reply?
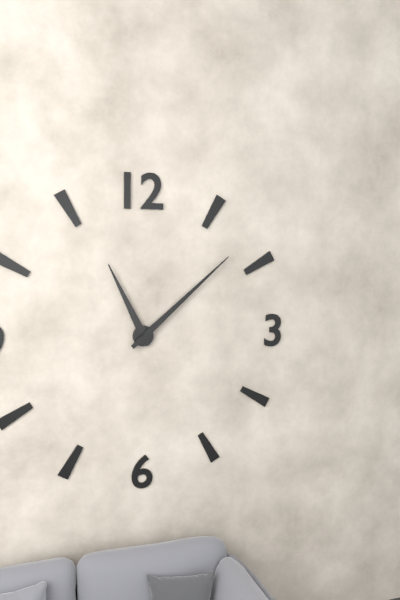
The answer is h=11 m=8
